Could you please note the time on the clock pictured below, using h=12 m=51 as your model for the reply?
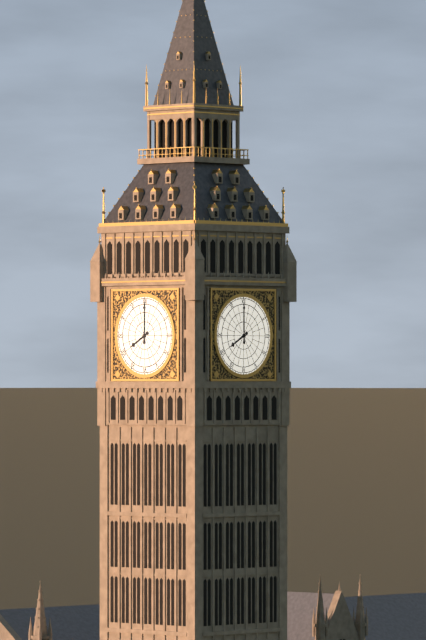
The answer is h=8 m=0
